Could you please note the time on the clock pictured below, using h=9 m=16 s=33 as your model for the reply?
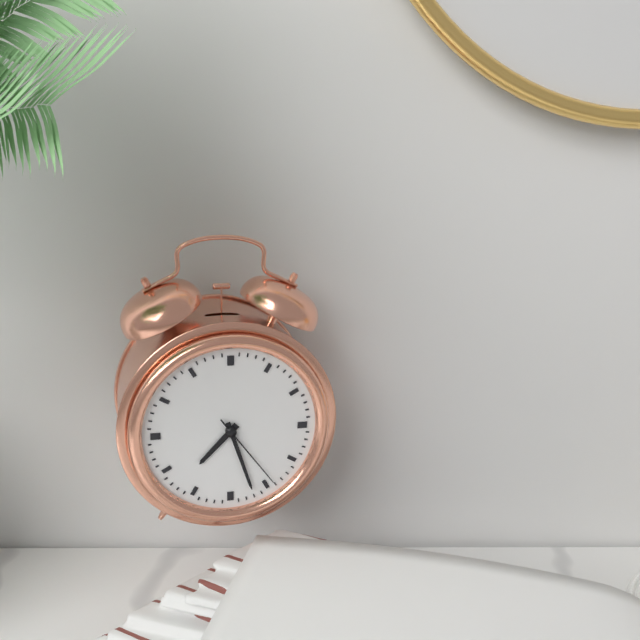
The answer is h=7 m=27 s=24
